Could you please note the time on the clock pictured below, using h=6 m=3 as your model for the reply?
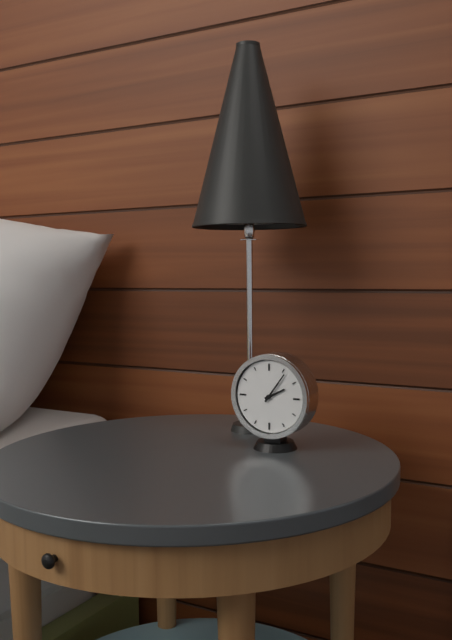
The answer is h=2 m=6
